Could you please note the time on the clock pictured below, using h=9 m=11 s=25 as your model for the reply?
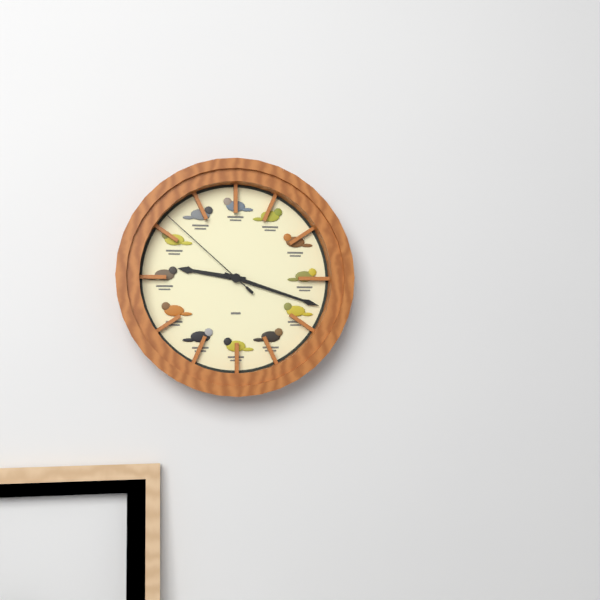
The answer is h=9 m=18 s=52
